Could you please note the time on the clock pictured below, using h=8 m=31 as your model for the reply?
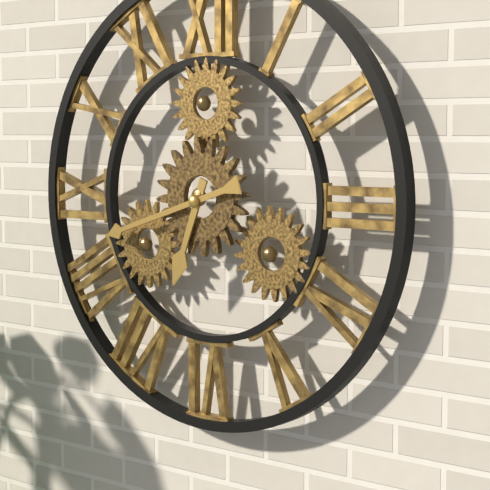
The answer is h=6 m=42
